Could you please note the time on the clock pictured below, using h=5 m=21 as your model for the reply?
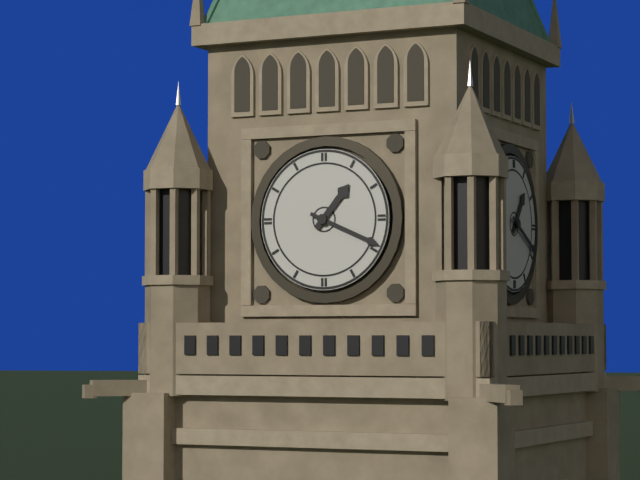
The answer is h=1 m=19
